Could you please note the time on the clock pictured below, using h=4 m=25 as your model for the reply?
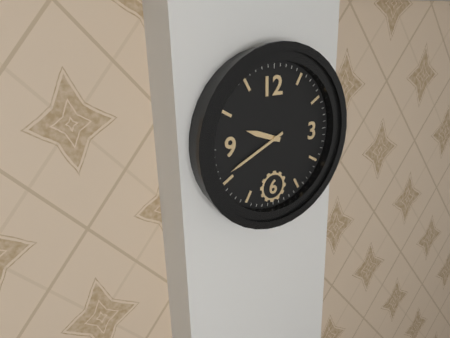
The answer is h=9 m=41
